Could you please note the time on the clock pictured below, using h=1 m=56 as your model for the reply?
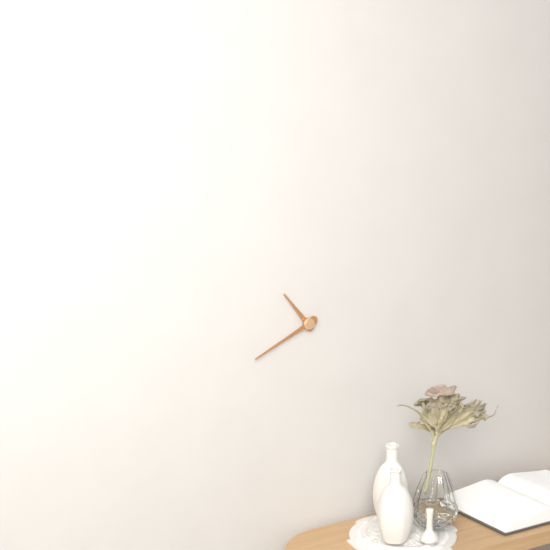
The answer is h=10 m=41
